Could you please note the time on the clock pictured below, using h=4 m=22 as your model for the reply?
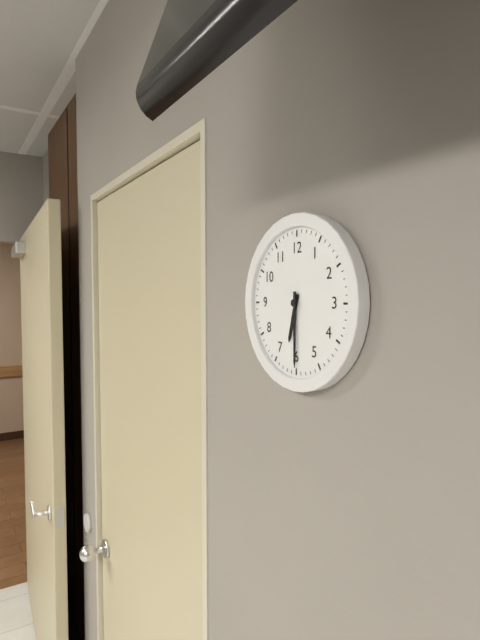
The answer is h=6 m=30
